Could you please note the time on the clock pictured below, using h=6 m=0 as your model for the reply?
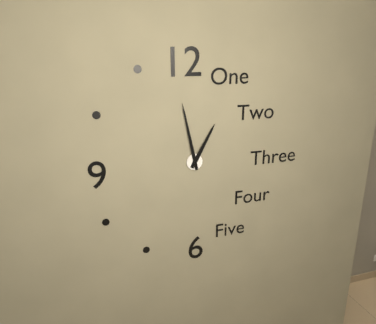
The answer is h=12 m=58
